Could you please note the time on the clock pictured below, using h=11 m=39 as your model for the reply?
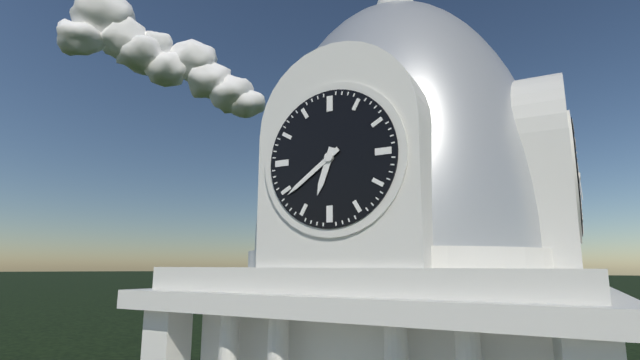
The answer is h=6 m=39
